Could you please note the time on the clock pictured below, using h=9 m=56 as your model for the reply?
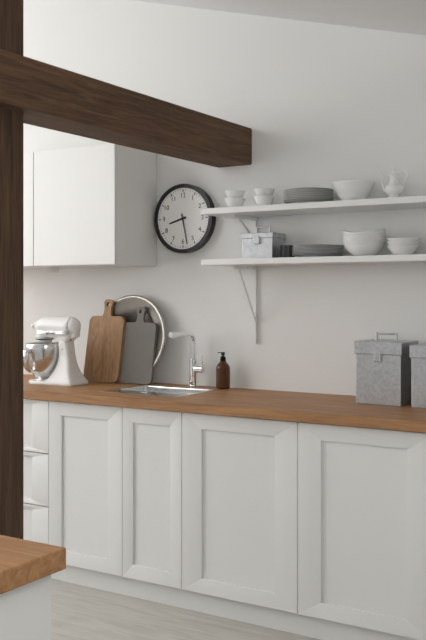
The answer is h=8 m=28
